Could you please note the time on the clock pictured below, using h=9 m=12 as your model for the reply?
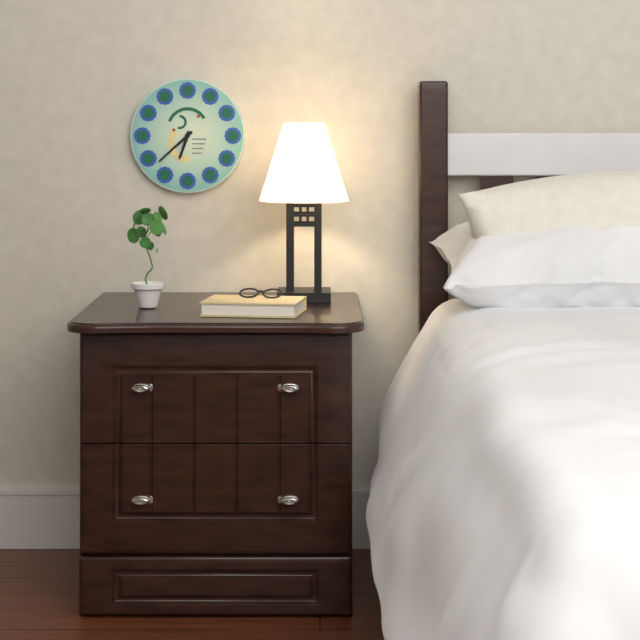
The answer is h=6 m=38
